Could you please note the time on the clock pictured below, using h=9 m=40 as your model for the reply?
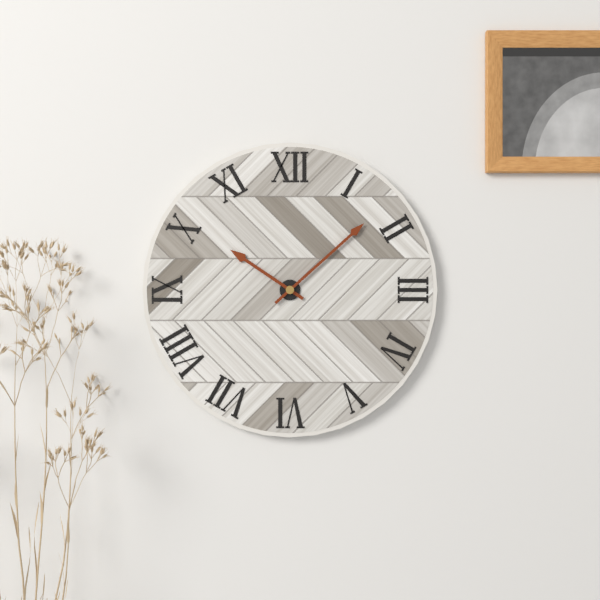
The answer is h=10 m=8
